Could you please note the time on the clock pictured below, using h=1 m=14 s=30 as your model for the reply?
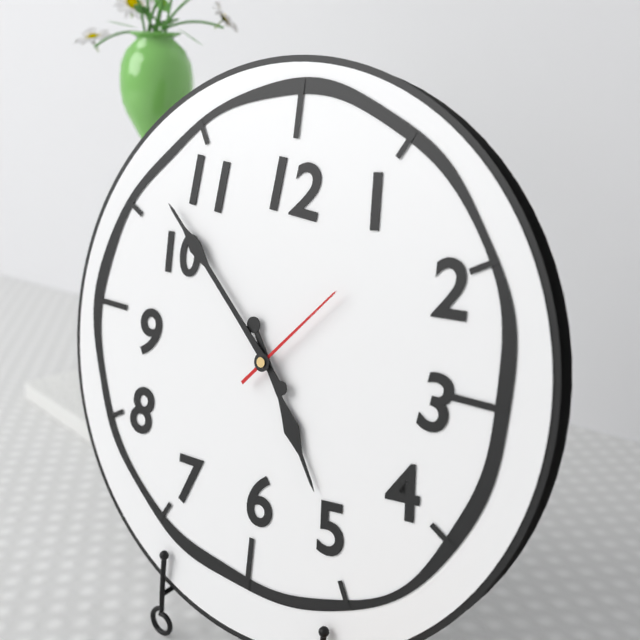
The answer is h=4 m=52 s=7
